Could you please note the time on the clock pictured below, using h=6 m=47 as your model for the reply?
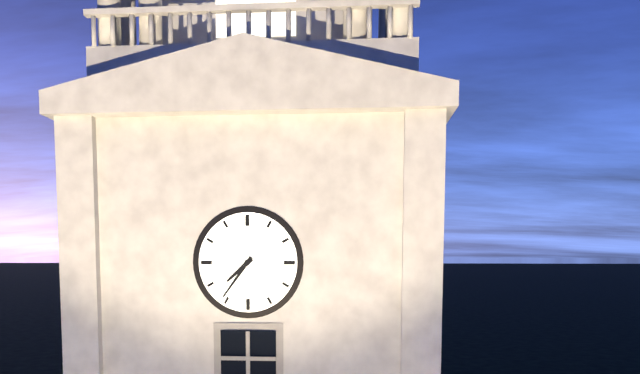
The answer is h=7 m=36
